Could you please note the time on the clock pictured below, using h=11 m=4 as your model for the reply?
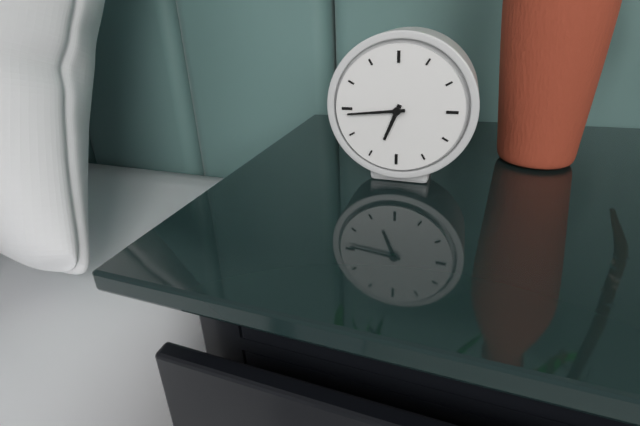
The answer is h=6 m=44
